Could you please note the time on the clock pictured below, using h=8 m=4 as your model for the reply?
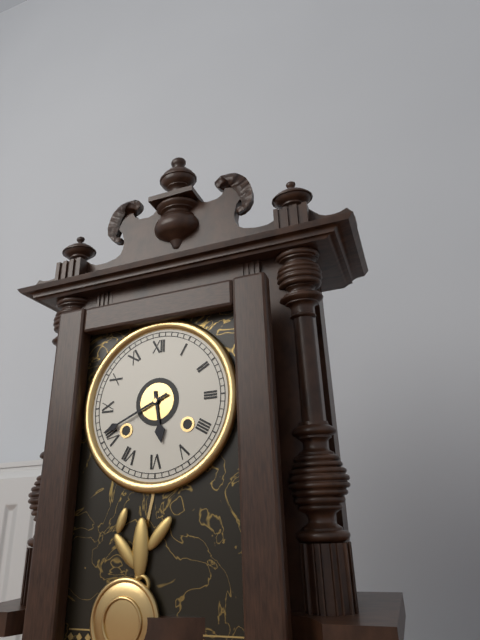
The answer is h=5 m=41
